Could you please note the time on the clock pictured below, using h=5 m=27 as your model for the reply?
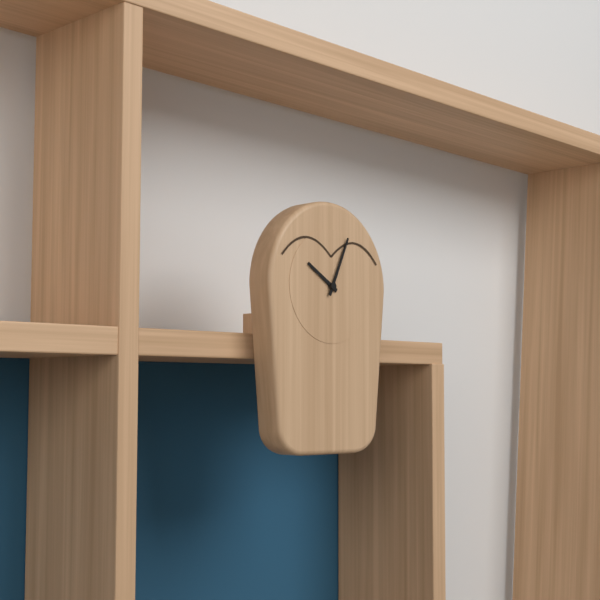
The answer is h=10 m=4
